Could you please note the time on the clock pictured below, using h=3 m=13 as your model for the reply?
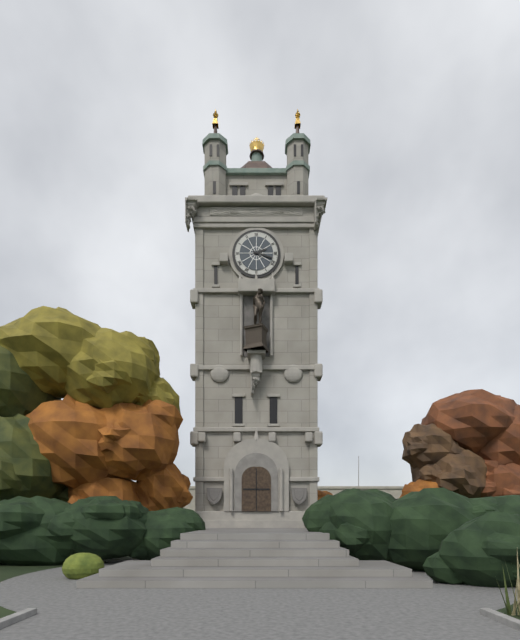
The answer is h=2 m=18
